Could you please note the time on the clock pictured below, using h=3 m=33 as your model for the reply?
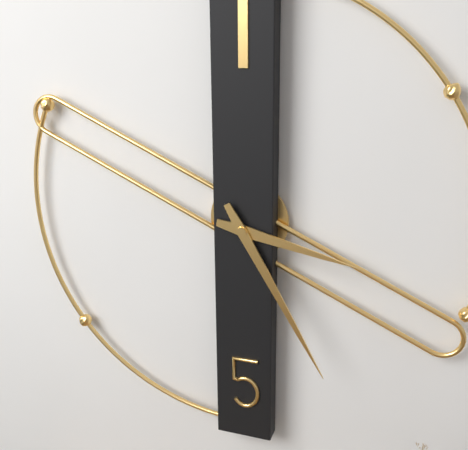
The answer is h=3 m=25
